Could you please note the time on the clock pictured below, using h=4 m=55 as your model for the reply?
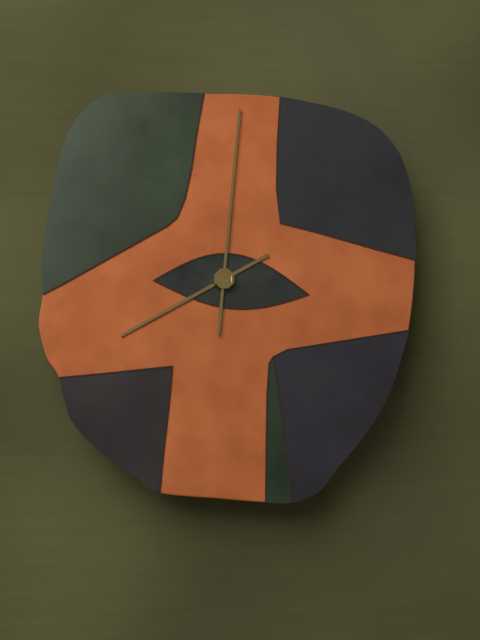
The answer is h=8 m=1
